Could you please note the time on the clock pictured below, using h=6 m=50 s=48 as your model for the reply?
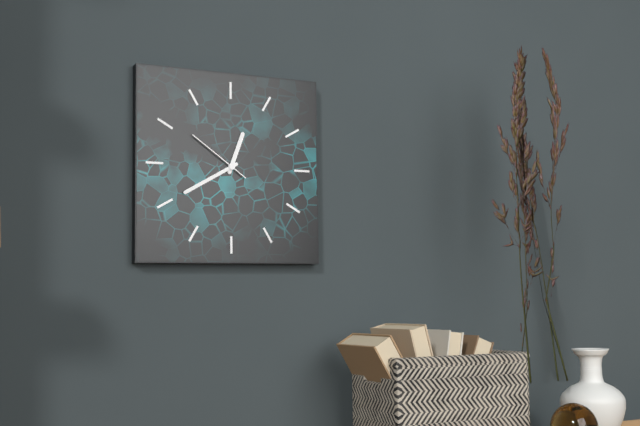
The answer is h=12 m=40 s=51
